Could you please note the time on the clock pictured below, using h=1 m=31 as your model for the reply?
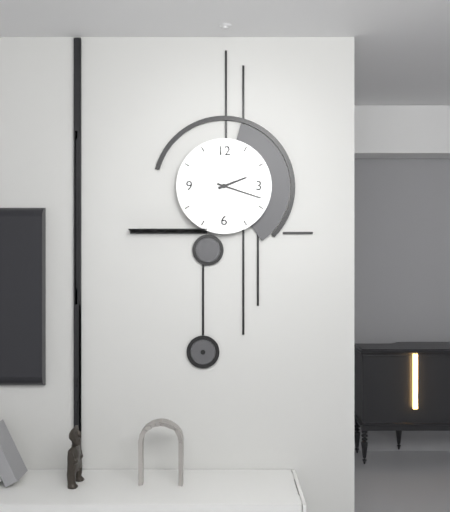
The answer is h=2 m=18
